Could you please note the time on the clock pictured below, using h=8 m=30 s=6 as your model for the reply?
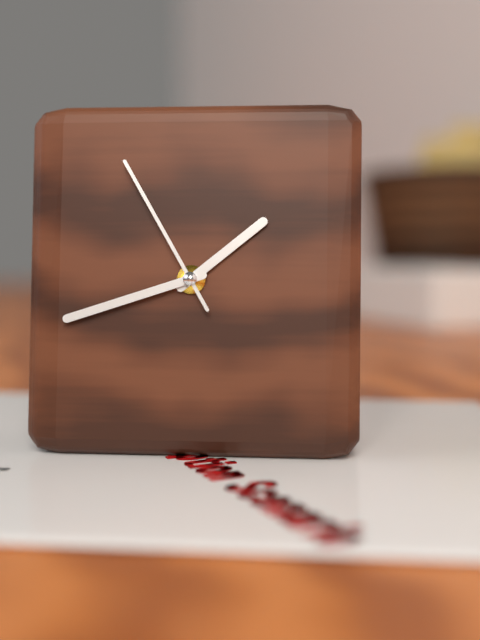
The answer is h=1 m=42 s=55
